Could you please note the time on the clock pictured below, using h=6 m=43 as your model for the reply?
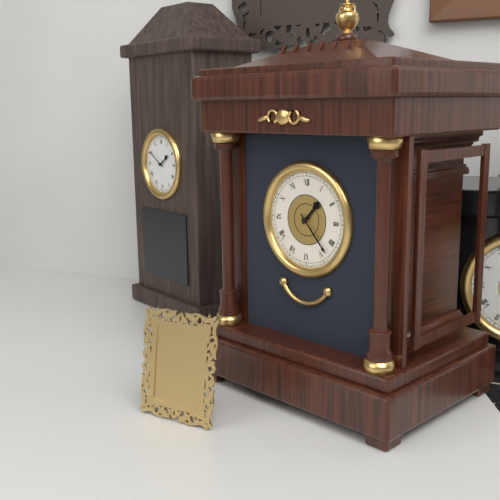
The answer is h=1 m=23
